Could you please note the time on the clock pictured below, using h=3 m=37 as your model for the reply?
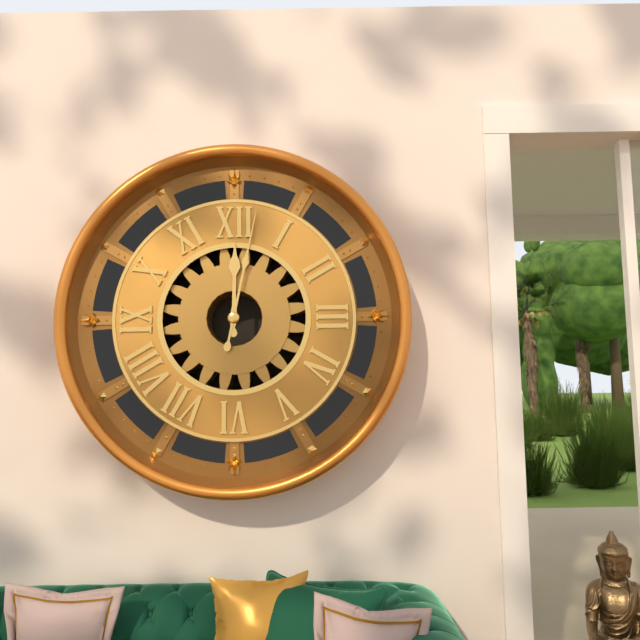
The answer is h=12 m=2
